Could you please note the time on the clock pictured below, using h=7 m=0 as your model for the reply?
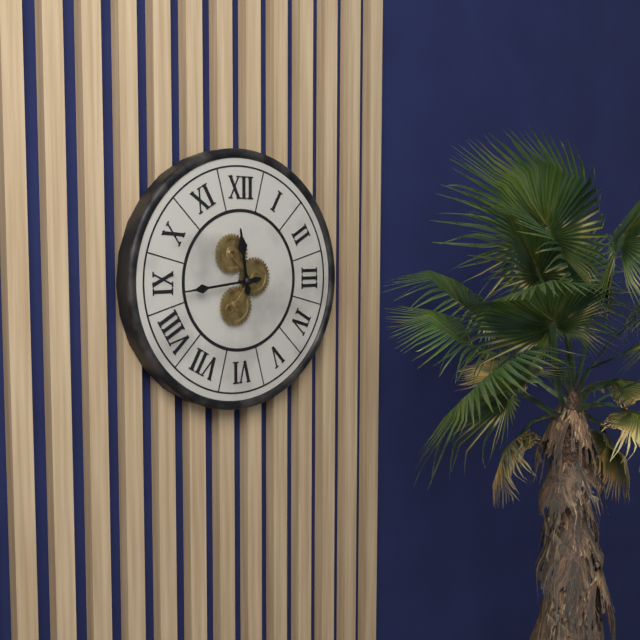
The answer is h=11 m=44
